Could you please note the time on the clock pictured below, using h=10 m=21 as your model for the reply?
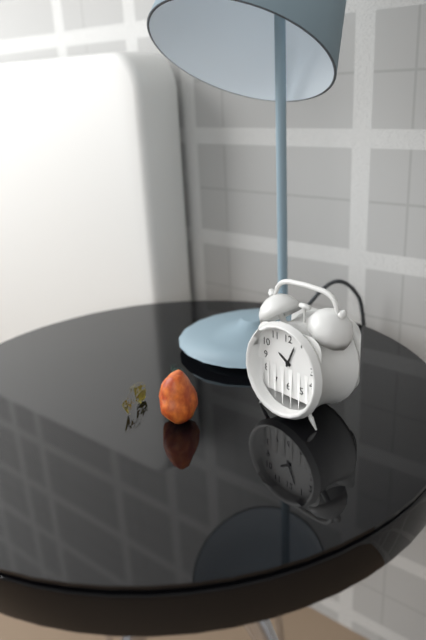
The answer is h=10 m=4
